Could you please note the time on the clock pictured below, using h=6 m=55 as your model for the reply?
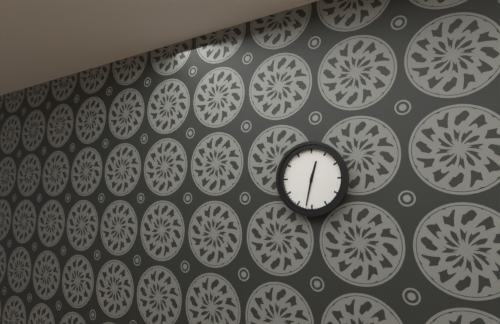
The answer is h=12 m=32
